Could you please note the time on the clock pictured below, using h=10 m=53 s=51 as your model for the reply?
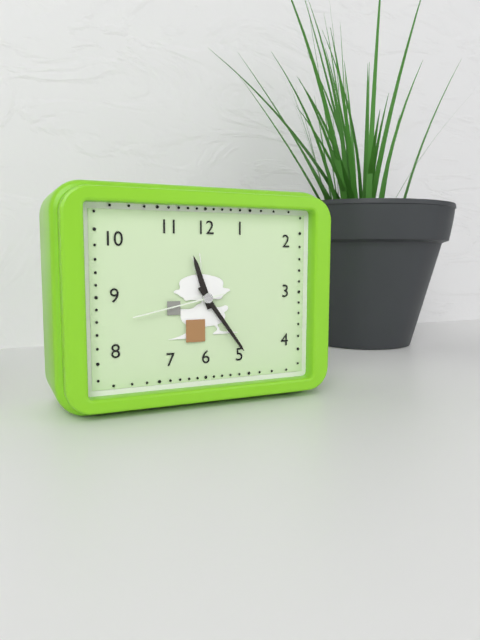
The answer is h=11 m=24 s=43
